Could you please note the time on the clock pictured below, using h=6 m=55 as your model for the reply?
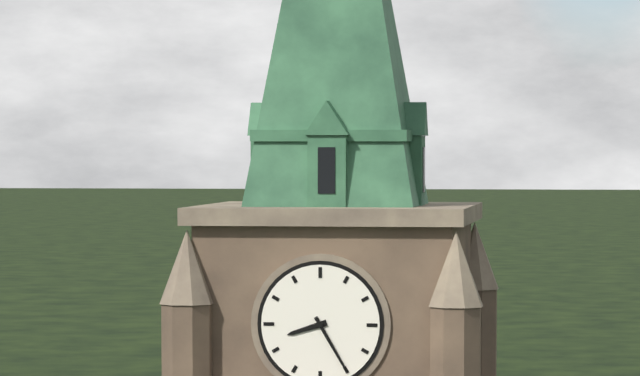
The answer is h=8 m=25
